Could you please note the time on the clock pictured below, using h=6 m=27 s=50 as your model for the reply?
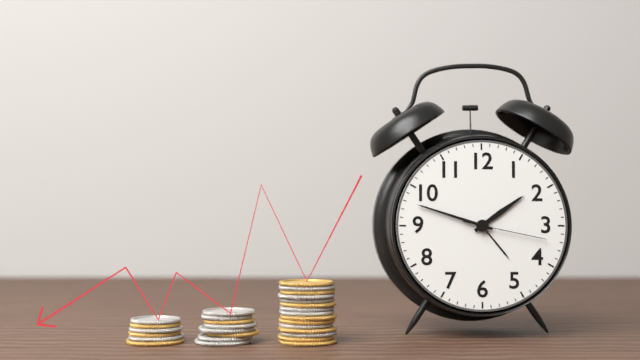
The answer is h=1 m=48 s=17
